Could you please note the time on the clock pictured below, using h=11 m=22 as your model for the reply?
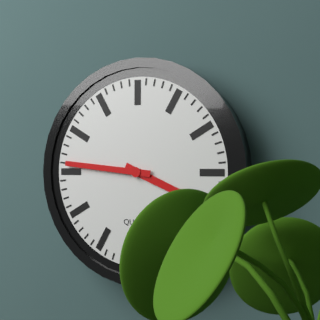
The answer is h=3 m=46
